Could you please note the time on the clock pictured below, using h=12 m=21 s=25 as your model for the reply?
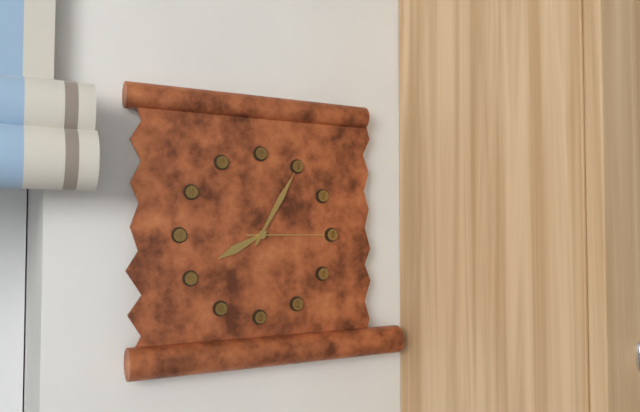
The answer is h=8 m=5 s=15
